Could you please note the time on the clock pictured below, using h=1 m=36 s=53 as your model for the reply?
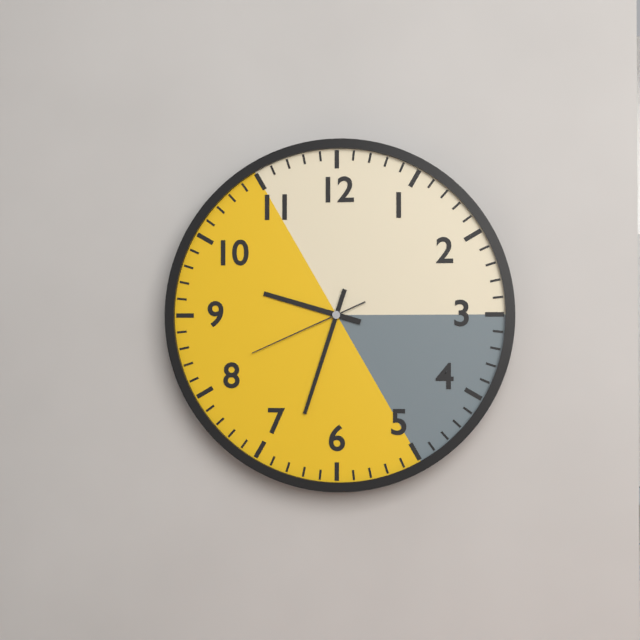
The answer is h=9 m=33 s=41
